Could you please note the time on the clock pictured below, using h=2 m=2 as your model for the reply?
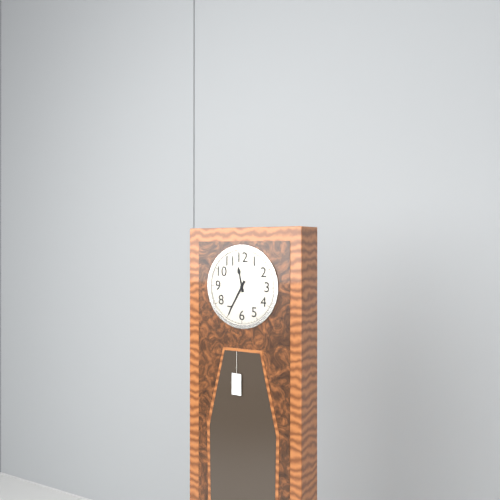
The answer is h=11 m=35
